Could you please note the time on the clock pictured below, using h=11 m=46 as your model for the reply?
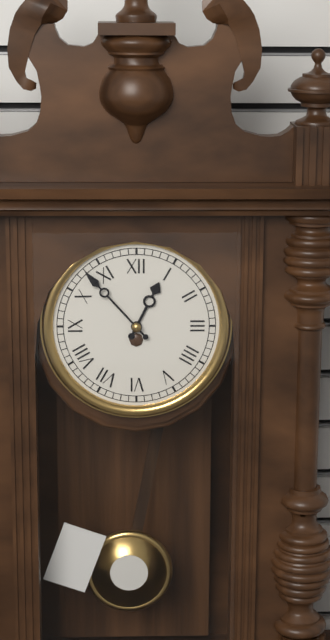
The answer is h=12 m=53
